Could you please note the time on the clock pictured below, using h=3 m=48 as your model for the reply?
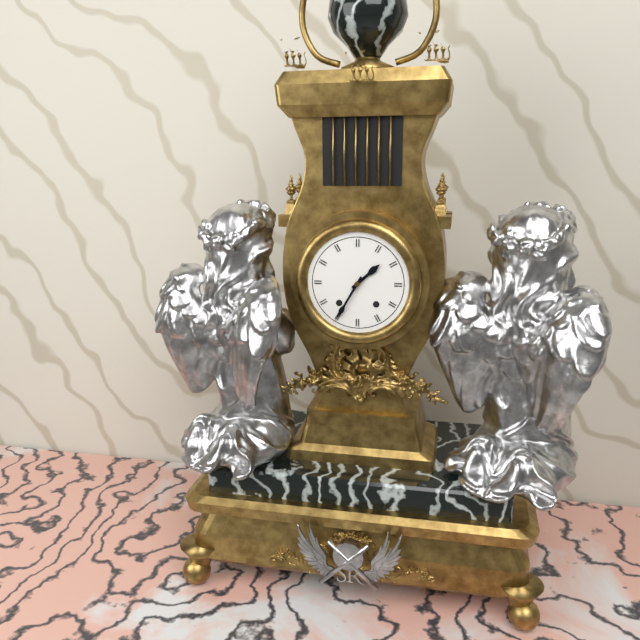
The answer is h=1 m=35
